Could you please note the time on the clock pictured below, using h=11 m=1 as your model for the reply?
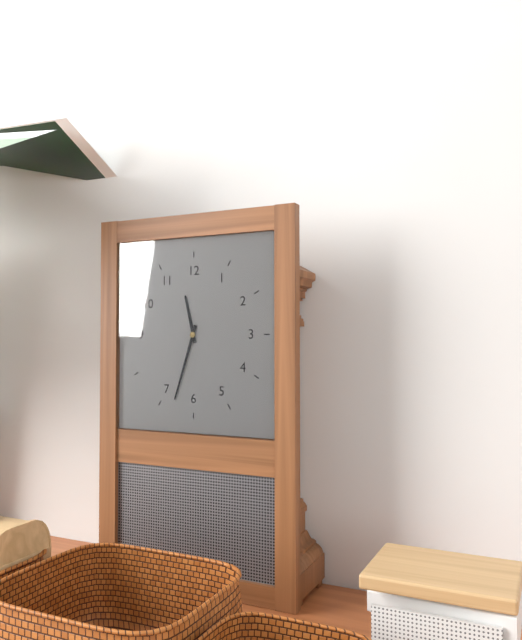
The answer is h=11 m=33
